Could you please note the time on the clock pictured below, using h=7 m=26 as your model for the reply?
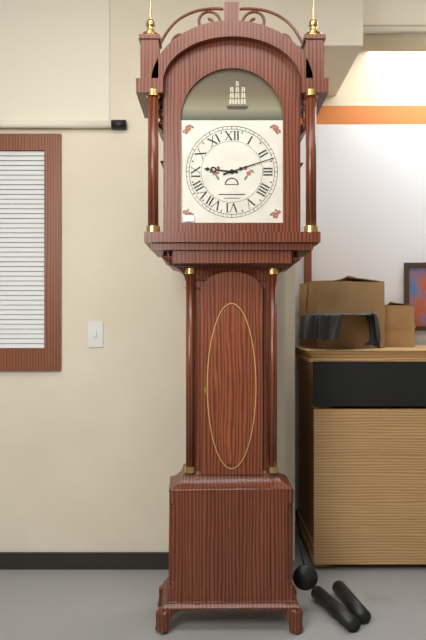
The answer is h=9 m=12
